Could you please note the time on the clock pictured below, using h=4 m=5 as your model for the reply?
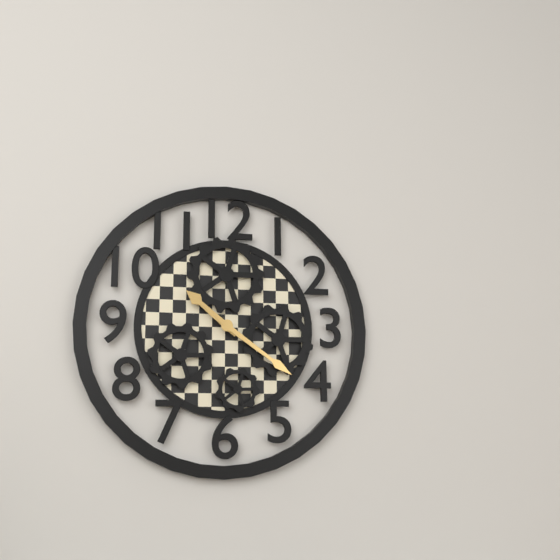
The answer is h=10 m=21
